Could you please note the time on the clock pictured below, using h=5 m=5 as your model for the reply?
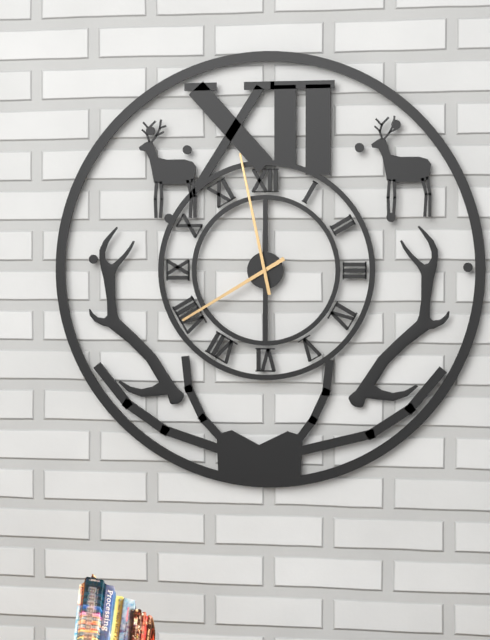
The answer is h=7 m=58
